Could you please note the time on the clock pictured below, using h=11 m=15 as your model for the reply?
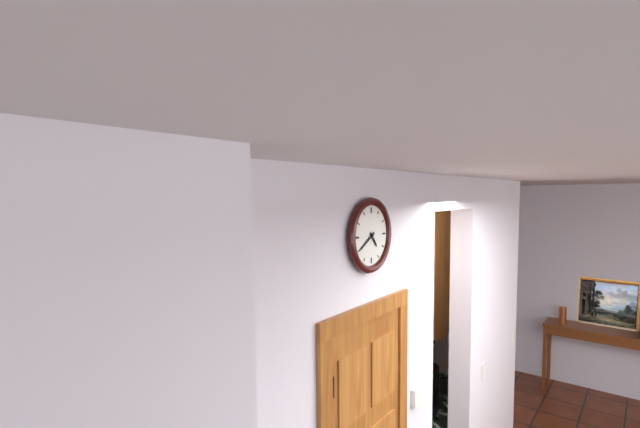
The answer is h=4 m=40
